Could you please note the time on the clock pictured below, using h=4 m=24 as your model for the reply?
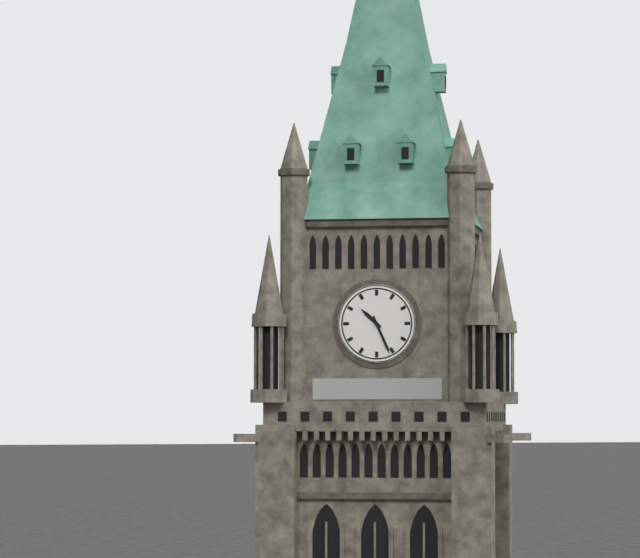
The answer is h=10 m=26
